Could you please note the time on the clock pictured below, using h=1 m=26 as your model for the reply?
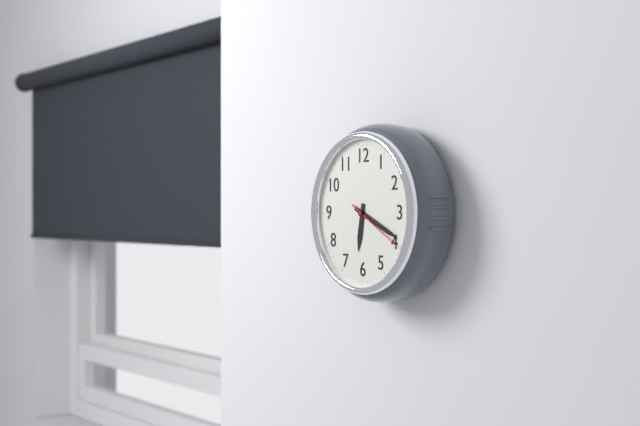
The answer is h=6 m=19
